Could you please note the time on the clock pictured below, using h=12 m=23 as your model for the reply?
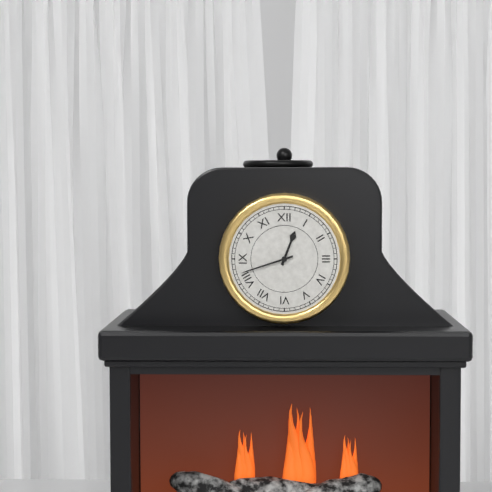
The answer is h=12 m=42
